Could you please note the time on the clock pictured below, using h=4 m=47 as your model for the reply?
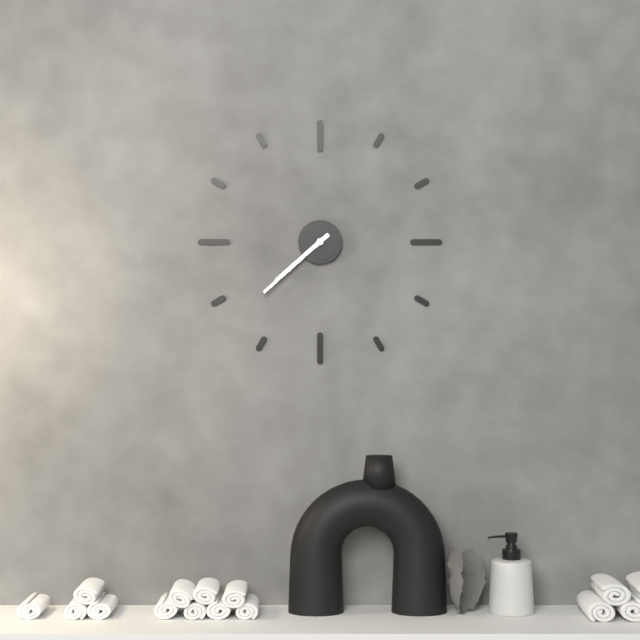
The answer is h=7 m=38
